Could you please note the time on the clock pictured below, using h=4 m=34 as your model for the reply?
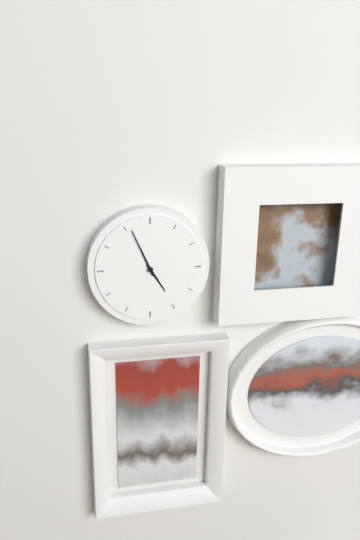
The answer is h=4 m=56
